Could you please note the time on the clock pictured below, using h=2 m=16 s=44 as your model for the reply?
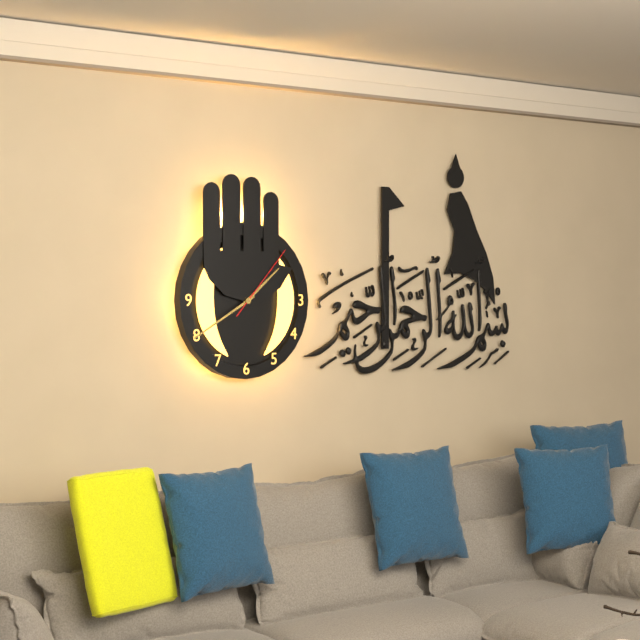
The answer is h=1 m=40 s=7
